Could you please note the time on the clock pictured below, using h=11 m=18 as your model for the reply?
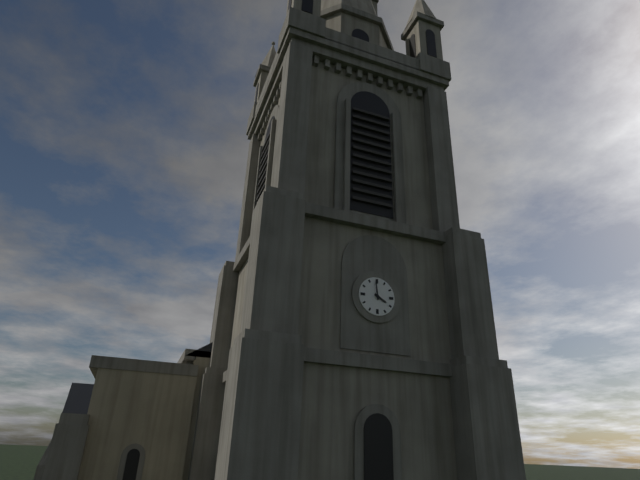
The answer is h=3 m=59
